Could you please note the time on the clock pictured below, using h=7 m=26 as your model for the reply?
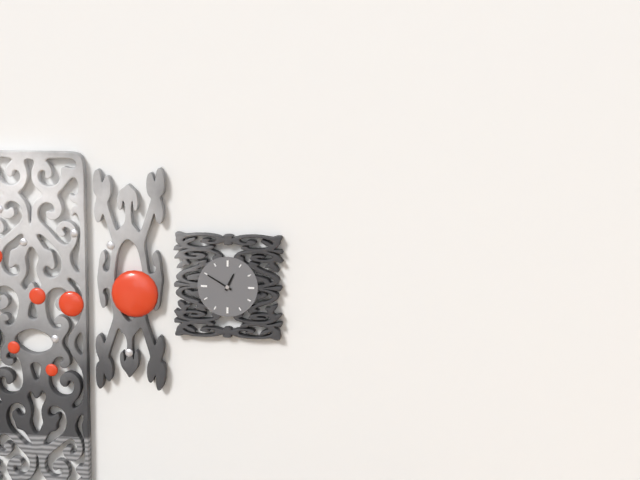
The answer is h=12 m=50
